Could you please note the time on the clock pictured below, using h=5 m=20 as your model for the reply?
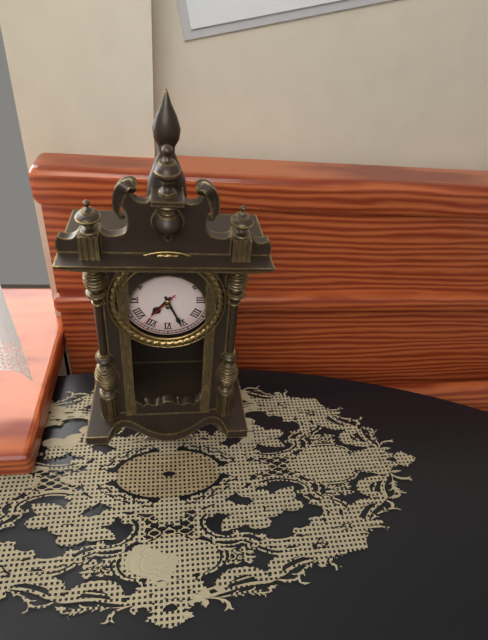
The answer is h=7 m=26
